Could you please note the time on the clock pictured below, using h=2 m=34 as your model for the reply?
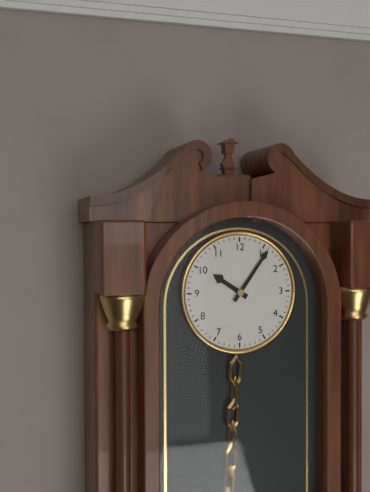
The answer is h=10 m=6
